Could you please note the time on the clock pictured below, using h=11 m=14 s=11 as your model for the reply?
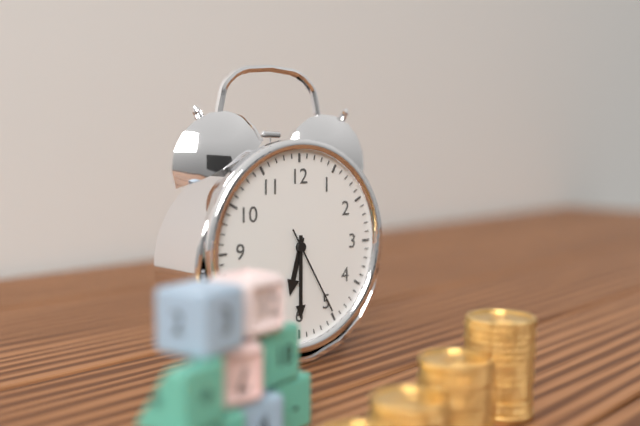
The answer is h=6 m=30 s=25
